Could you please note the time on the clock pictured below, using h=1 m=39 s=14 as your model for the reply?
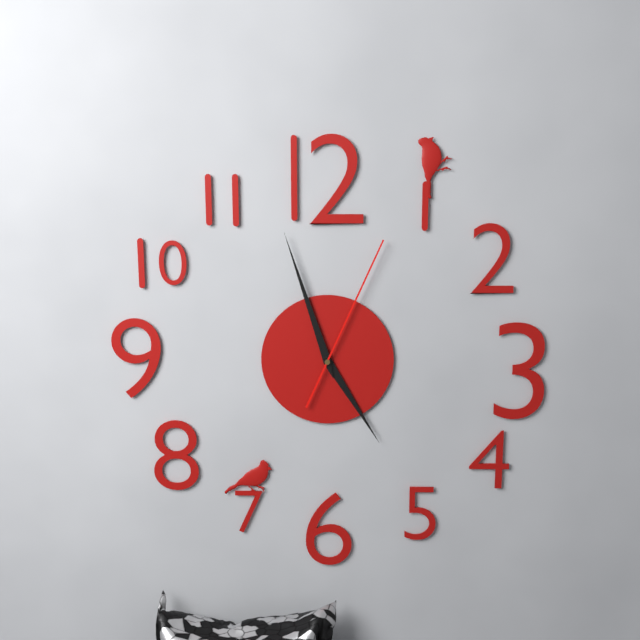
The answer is h=4 m=57 s=4
